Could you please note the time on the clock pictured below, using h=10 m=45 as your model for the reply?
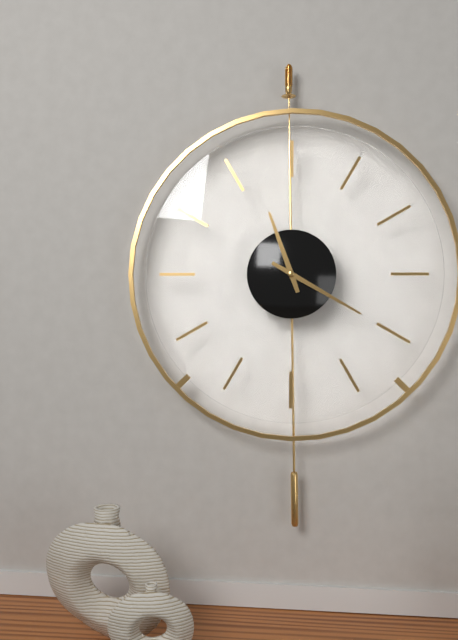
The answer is h=11 m=20
